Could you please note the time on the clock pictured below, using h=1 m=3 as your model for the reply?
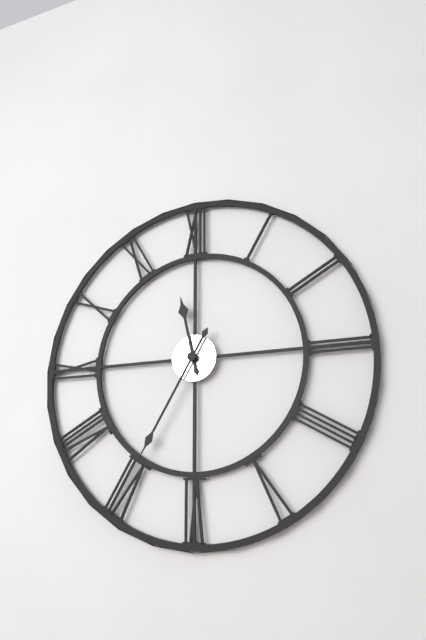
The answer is h=11 m=35
